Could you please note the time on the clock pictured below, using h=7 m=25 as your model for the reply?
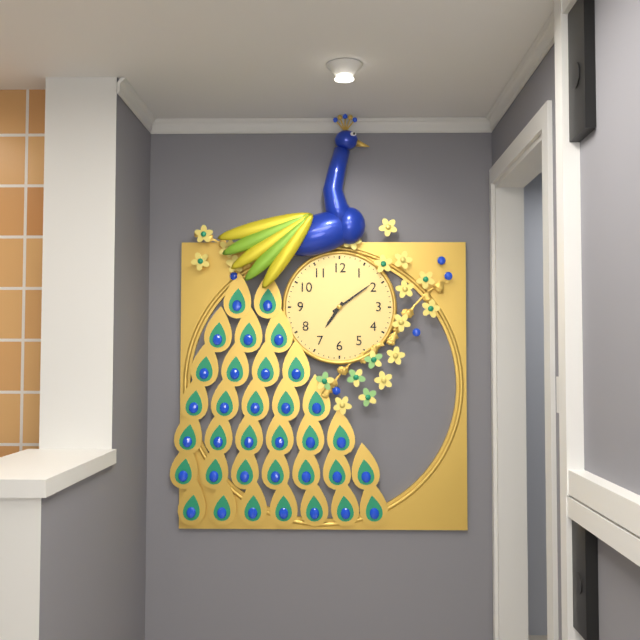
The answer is h=7 m=9
